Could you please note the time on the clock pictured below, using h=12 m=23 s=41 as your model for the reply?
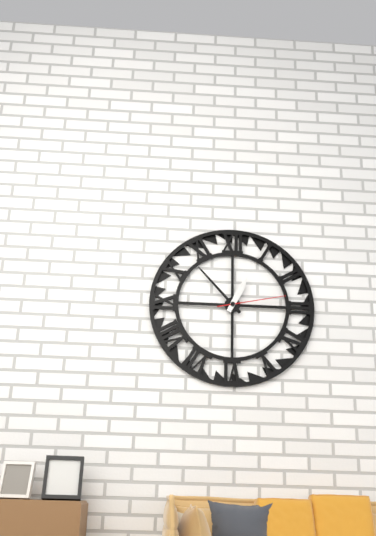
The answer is h=12 m=53 s=13
